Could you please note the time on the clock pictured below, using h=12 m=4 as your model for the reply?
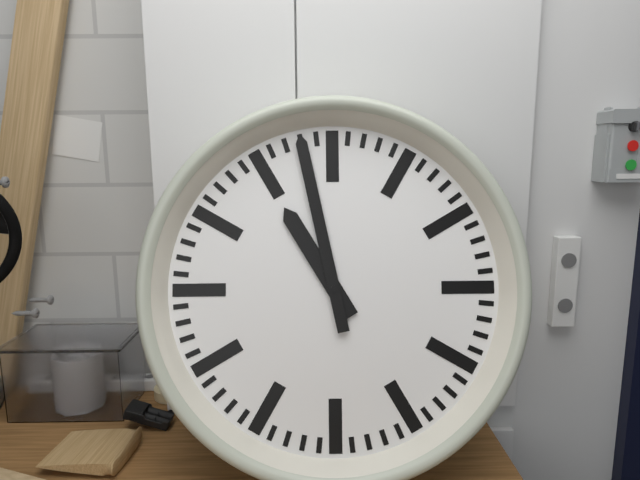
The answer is h=10 m=58
